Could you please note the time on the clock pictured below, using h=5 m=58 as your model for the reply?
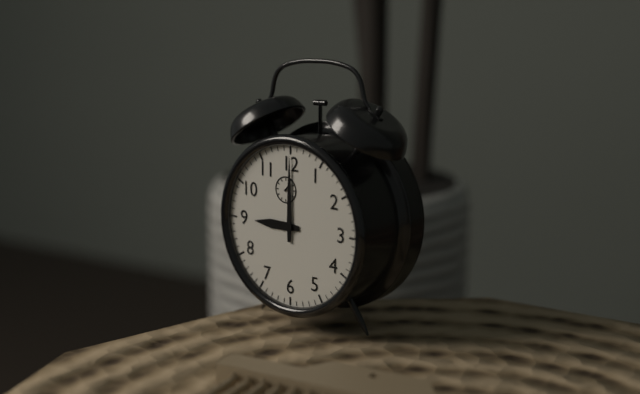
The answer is h=9 m=0
